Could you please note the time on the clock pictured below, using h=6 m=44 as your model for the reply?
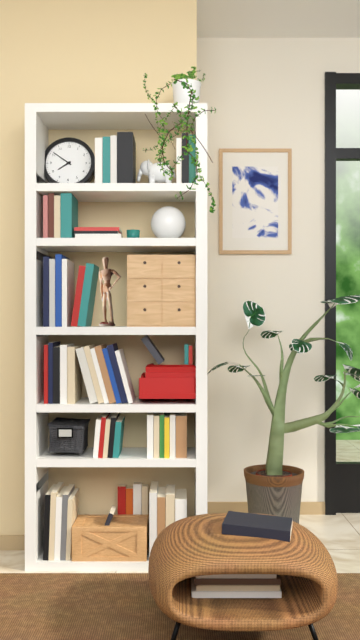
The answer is h=7 m=51
